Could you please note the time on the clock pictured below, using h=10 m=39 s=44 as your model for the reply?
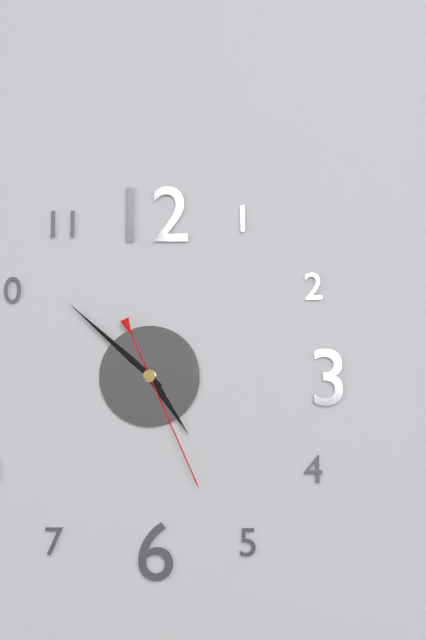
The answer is h=4 m=52 s=26
